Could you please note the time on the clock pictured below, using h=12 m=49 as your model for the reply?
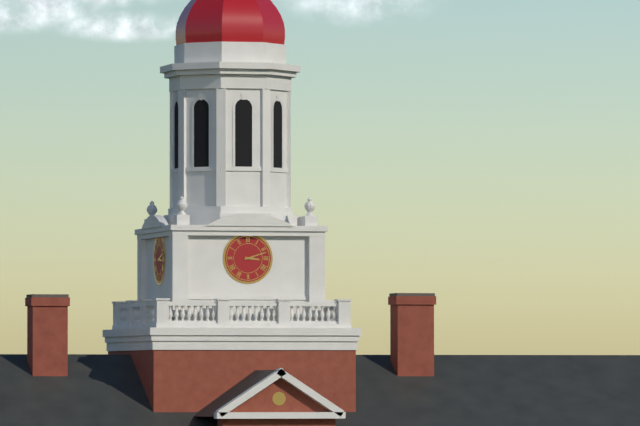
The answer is h=3 m=12
